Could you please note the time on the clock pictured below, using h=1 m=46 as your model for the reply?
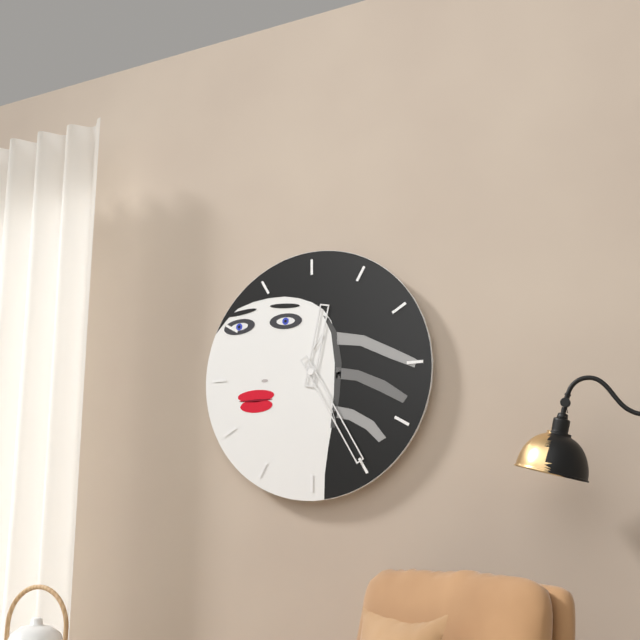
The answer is h=12 m=25
